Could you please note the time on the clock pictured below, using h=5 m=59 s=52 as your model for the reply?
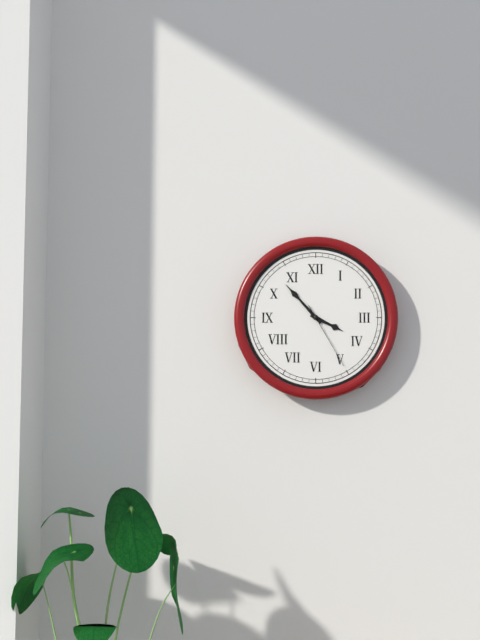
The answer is h=3 m=53 s=25
